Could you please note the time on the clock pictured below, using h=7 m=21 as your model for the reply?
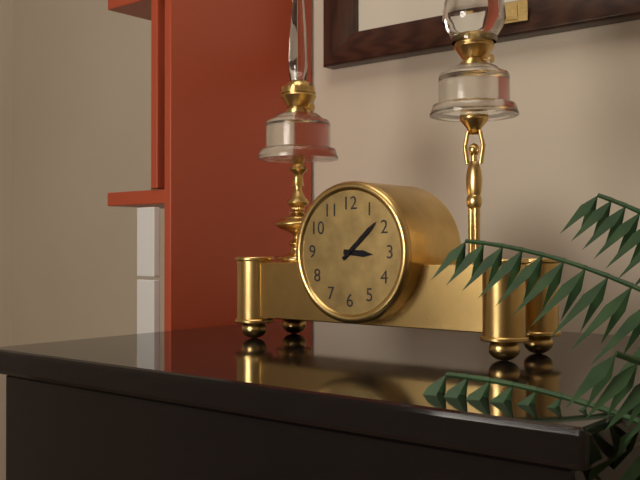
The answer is h=3 m=8
